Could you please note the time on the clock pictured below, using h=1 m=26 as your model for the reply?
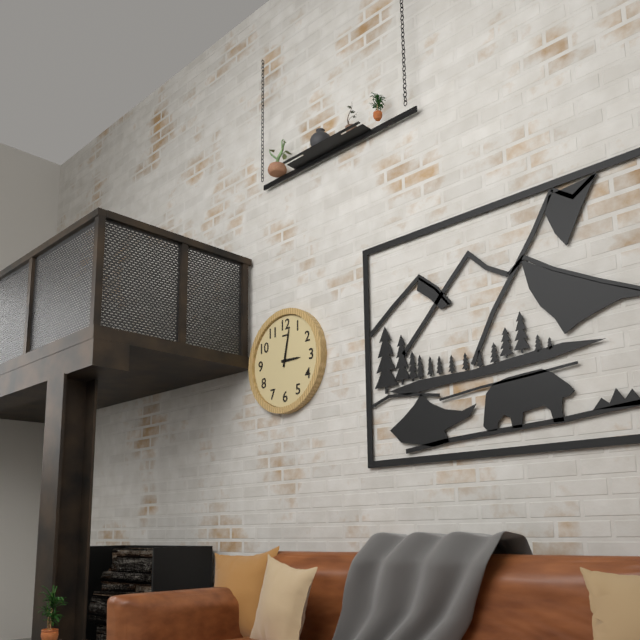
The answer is h=3 m=2
